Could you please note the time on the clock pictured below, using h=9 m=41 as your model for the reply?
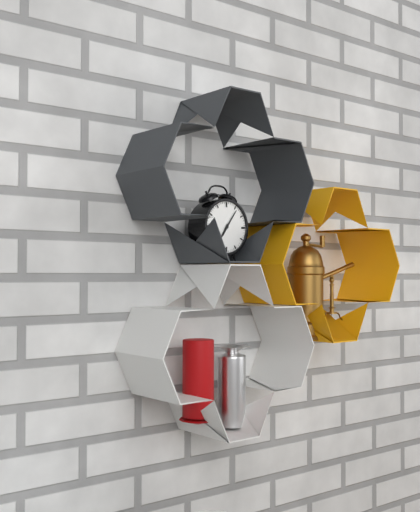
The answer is h=7 m=6
